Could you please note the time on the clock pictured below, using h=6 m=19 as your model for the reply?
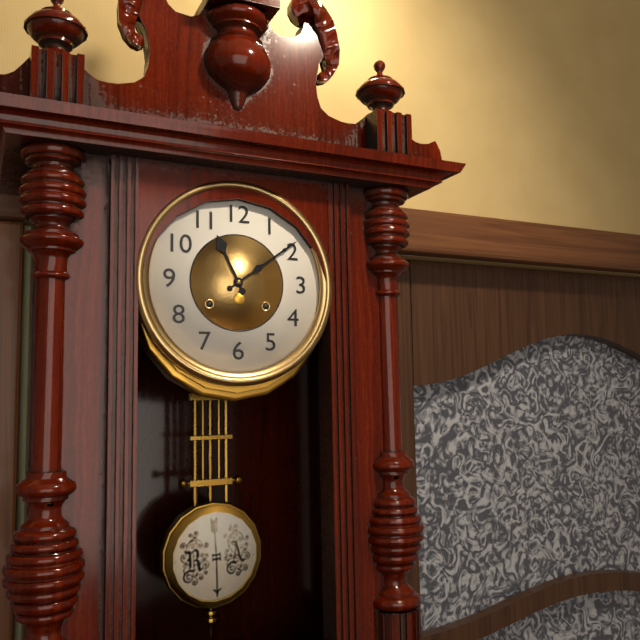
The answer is h=11 m=9
